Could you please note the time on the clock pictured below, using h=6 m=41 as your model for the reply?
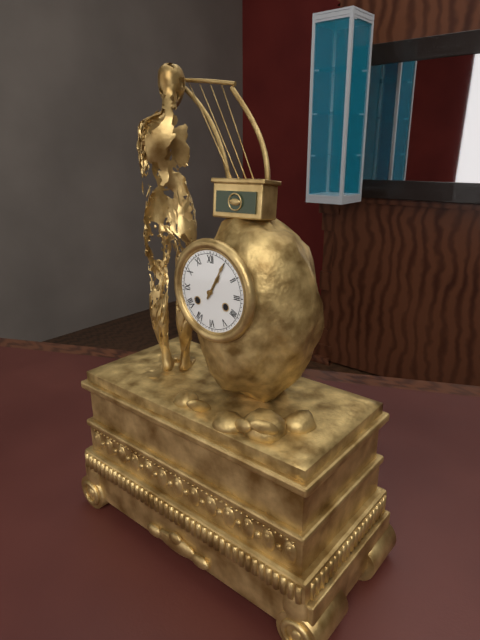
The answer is h=1 m=5
